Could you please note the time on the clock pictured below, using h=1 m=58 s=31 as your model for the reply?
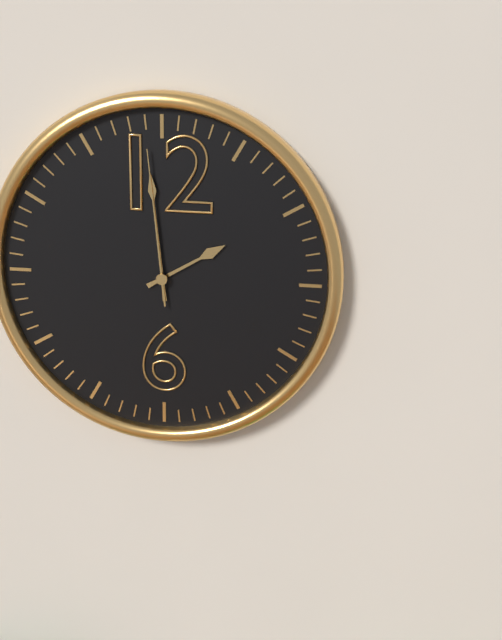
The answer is h=1 m=59 s=59
